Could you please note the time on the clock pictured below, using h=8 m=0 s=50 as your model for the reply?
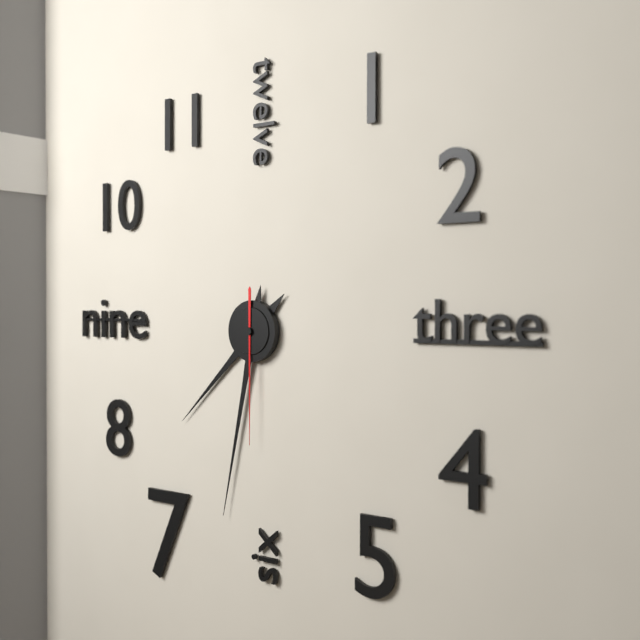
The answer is h=7 m=32 s=30
